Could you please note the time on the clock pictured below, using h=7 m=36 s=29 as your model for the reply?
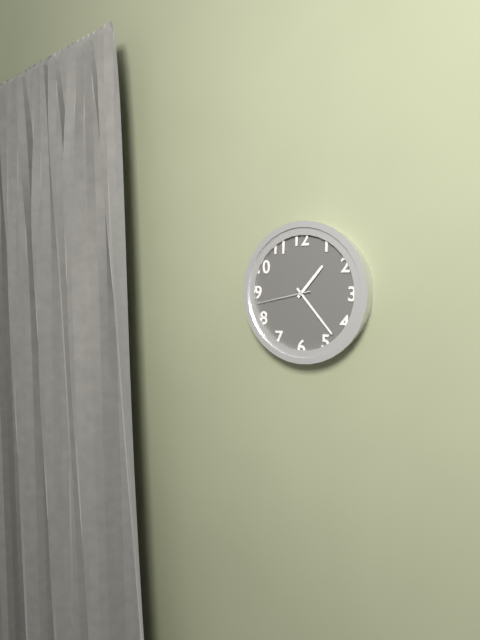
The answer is h=1 m=23 s=43
